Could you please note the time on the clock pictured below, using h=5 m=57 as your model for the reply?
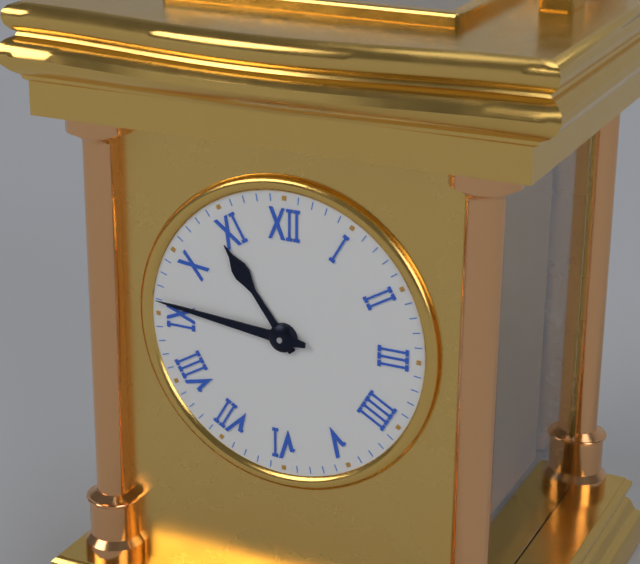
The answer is h=10 m=46
